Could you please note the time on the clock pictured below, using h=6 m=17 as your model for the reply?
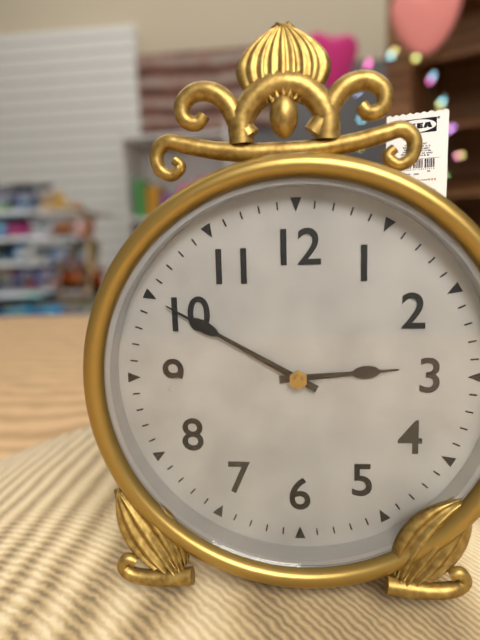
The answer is h=2 m=50
